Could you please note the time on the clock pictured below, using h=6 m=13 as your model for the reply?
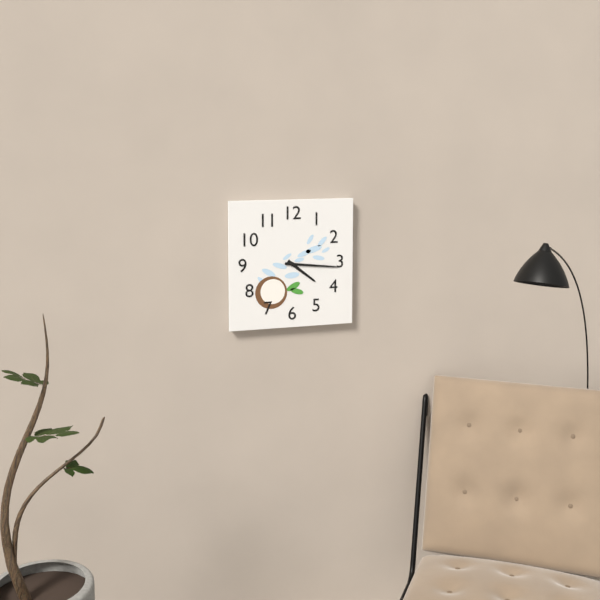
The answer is h=4 m=16
